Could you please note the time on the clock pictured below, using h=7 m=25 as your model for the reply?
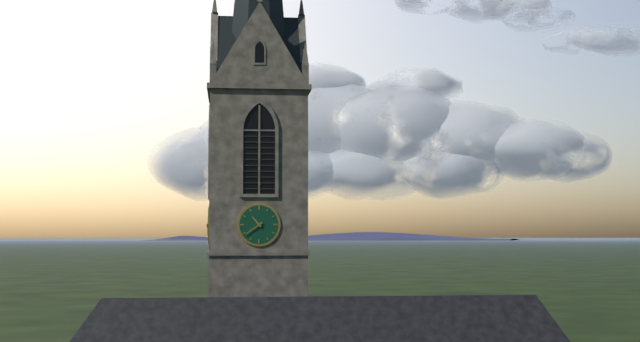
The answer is h=10 m=39
